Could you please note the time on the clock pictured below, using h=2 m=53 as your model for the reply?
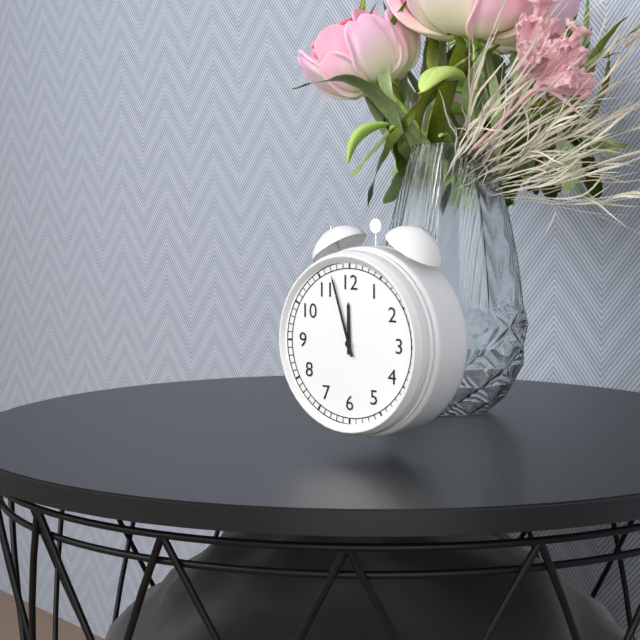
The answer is h=11 m=57
